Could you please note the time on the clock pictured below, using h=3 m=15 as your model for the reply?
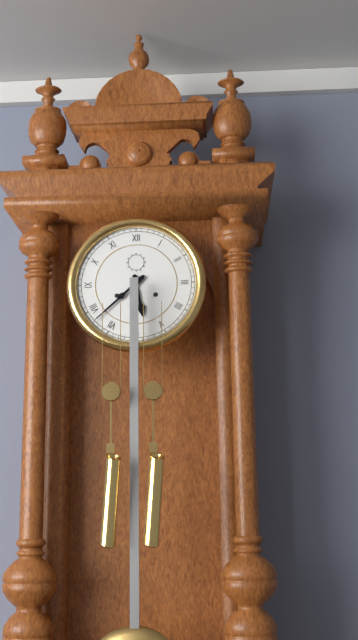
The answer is h=5 m=38
